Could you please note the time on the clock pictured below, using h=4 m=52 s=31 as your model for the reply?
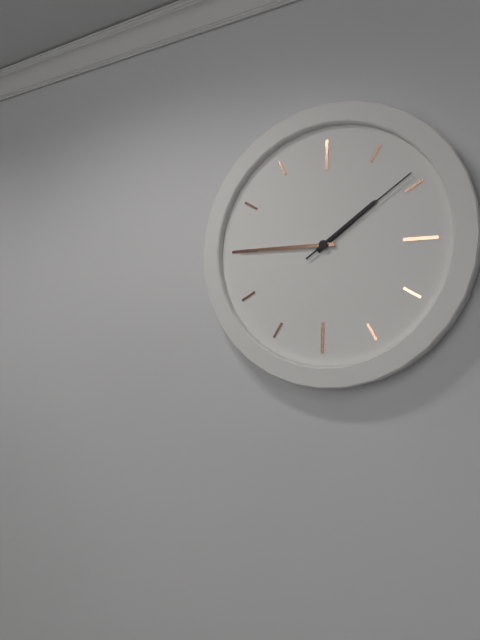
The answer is h=1 m=45 s=9
